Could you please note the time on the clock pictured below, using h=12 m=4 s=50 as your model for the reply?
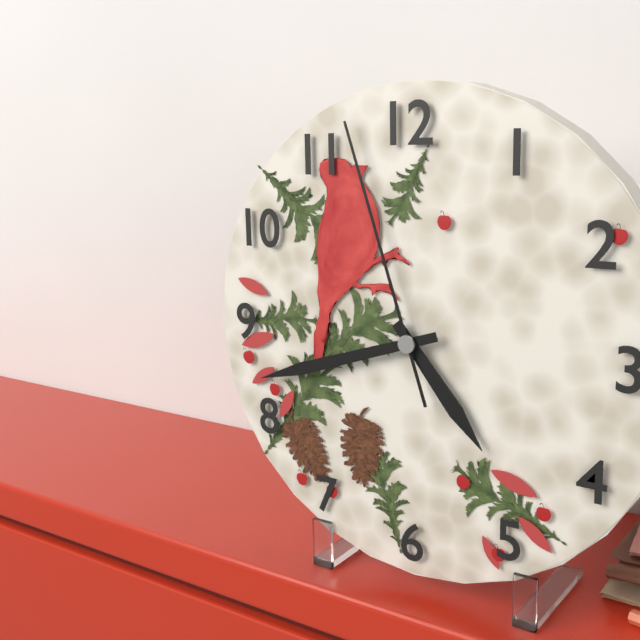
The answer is h=4 m=42 s=57
